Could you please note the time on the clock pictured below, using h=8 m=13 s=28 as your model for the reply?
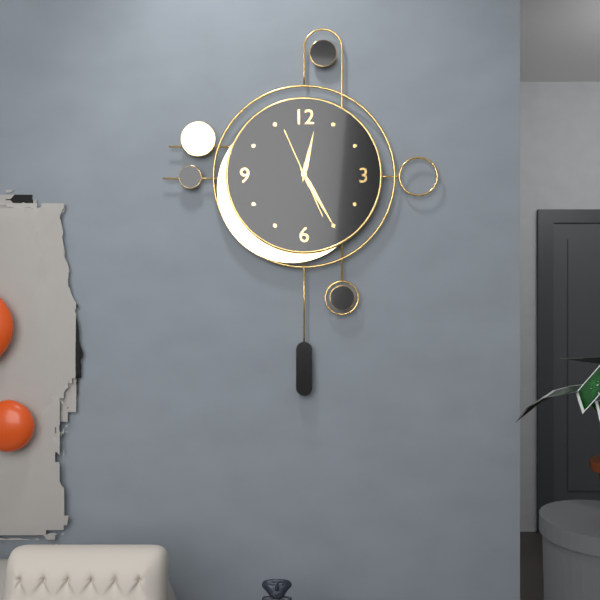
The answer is h=12 m=25 s=56
